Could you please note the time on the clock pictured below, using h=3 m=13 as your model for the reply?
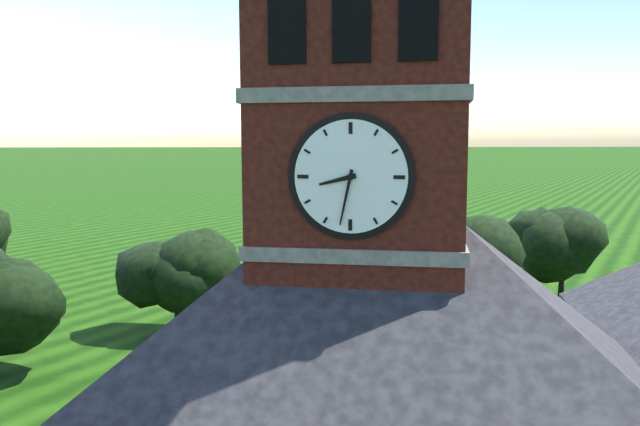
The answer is h=8 m=32
